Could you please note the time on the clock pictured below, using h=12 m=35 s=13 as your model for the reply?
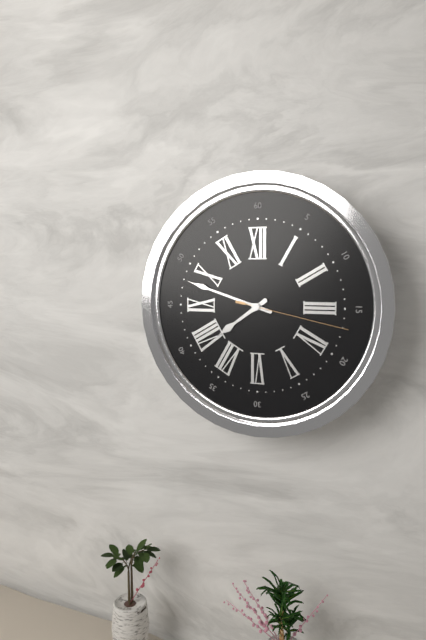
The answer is h=7 m=48 s=17
